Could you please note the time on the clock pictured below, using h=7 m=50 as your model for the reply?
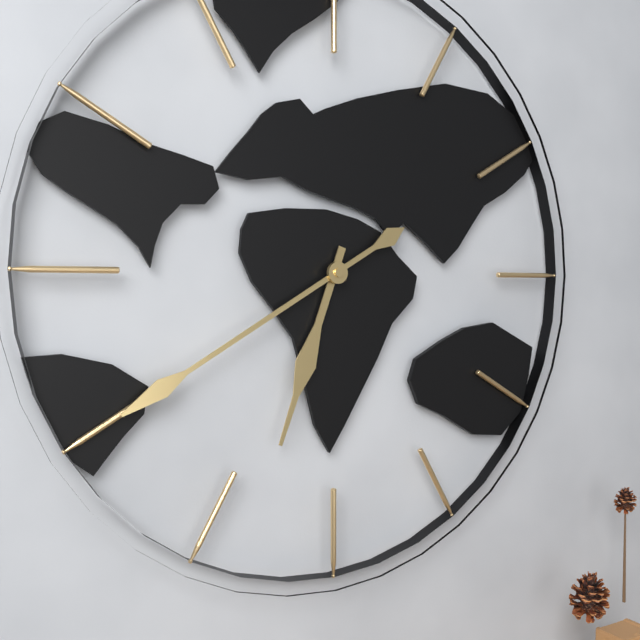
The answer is h=6 m=40
